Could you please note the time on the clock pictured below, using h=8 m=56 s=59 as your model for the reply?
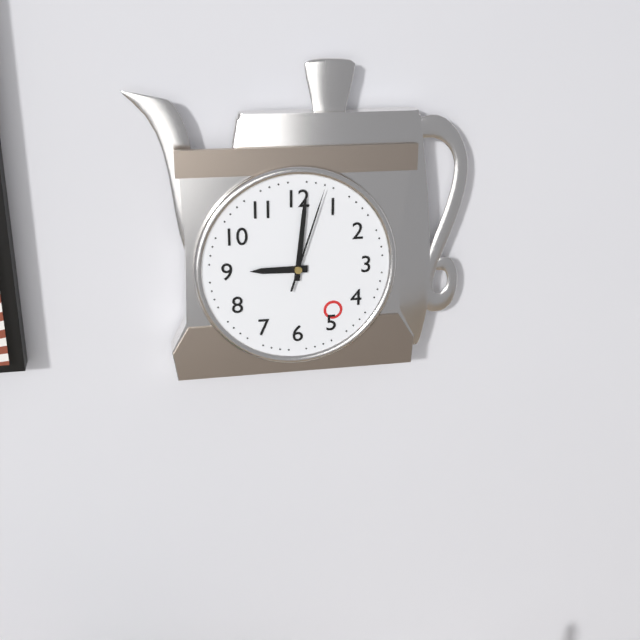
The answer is h=9 m=1 s=3
